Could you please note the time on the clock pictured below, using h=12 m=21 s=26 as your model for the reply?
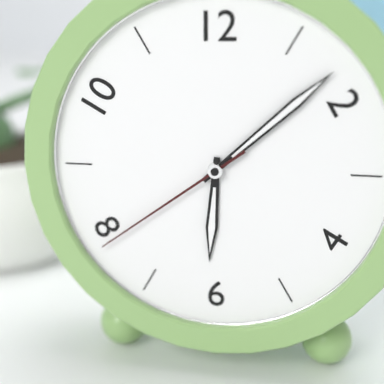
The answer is h=6 m=8 s=39
